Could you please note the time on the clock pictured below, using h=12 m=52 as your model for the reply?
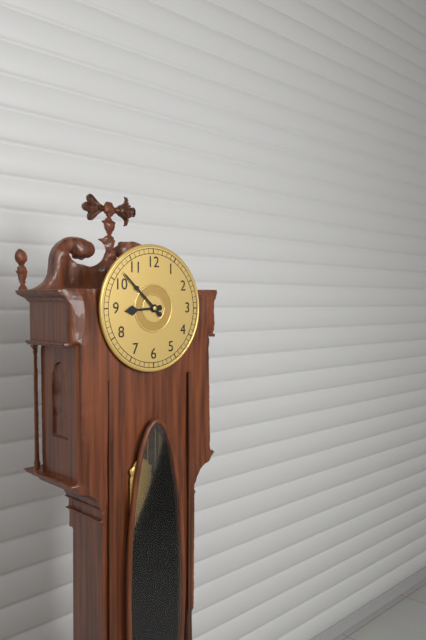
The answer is h=8 m=52
